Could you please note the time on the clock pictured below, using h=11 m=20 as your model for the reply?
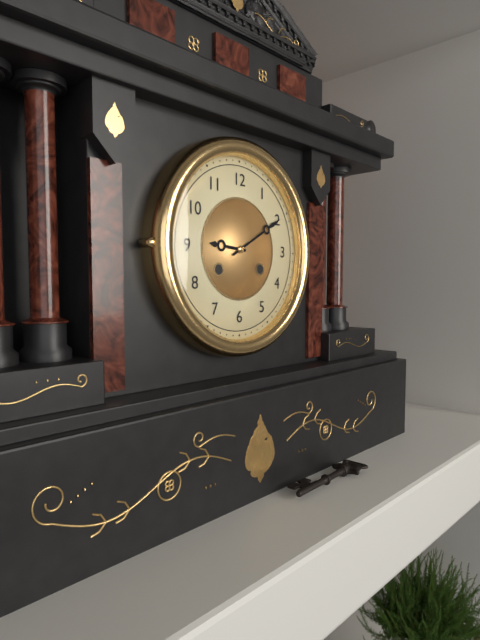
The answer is h=9 m=10
